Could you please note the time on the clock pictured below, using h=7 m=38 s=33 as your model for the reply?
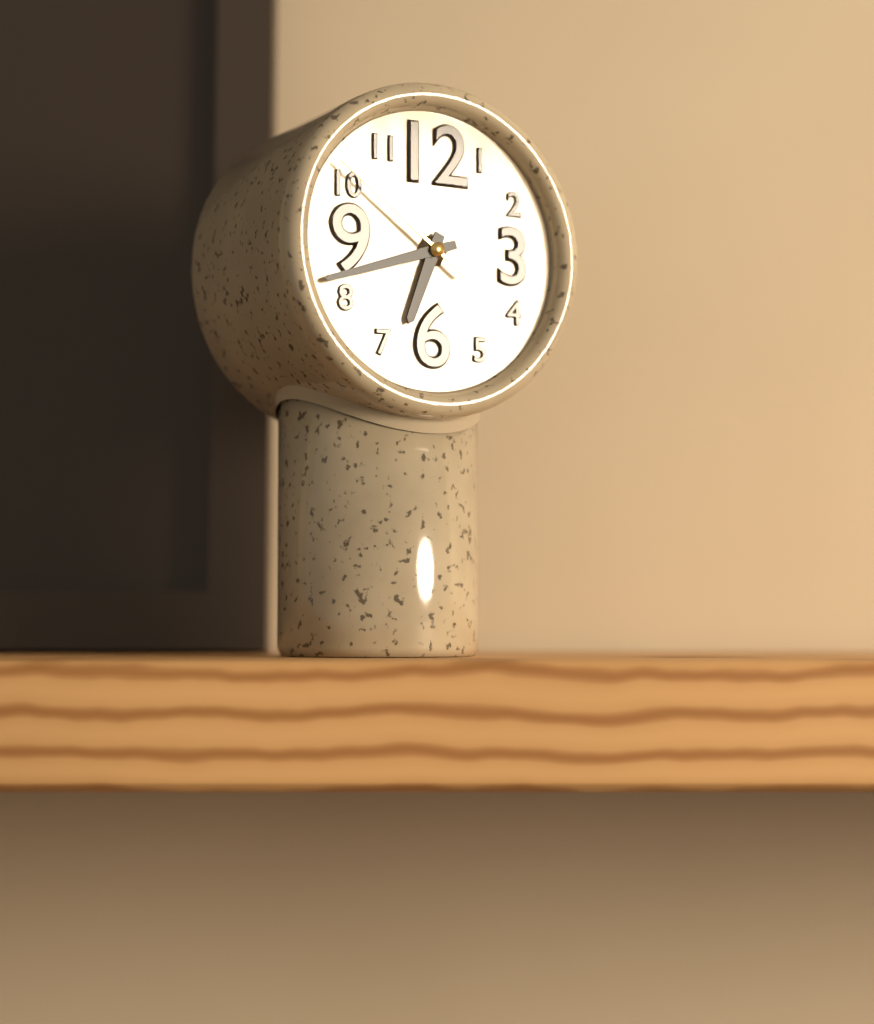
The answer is h=6 m=42 s=51
